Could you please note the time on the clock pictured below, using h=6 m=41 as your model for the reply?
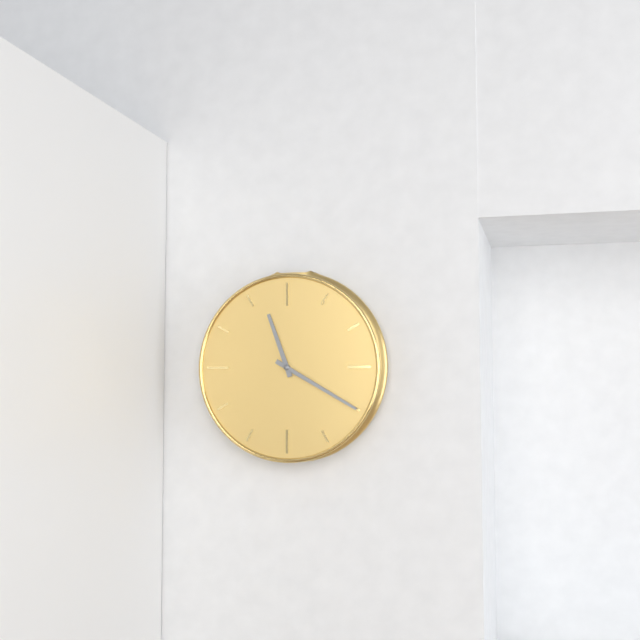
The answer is h=11 m=20
